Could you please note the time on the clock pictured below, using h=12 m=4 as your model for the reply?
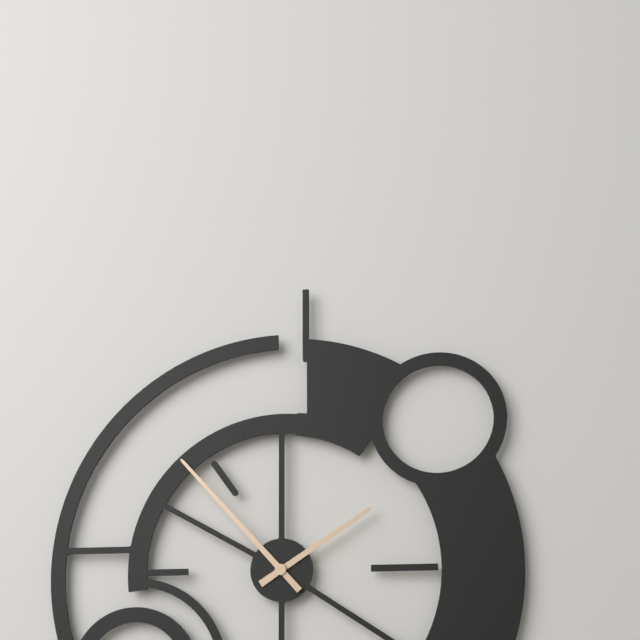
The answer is h=1 m=53
